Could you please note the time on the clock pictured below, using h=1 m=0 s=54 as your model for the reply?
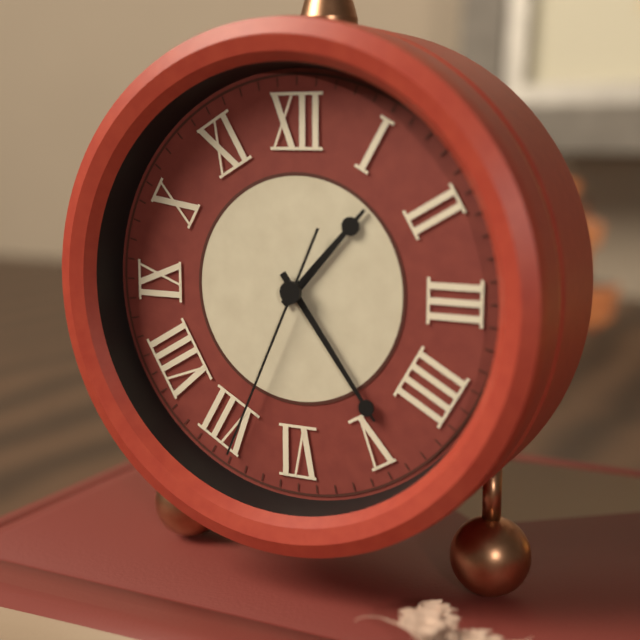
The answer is h=1 m=24 s=34
